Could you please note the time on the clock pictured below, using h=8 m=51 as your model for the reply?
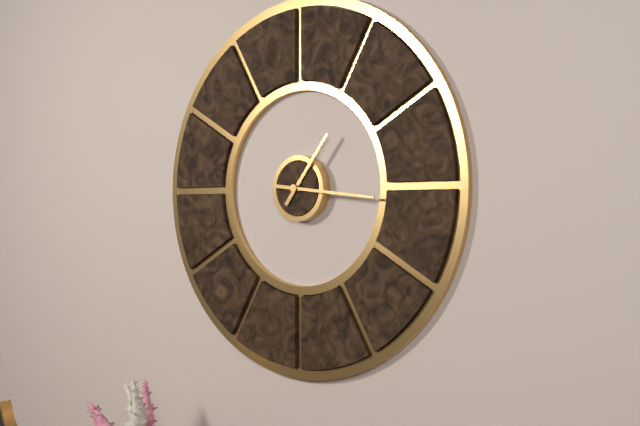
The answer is h=1 m=16
